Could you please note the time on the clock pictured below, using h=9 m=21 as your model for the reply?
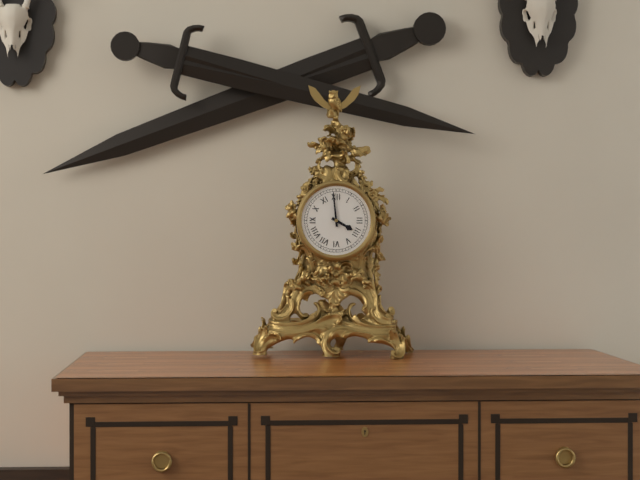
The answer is h=3 m=59
